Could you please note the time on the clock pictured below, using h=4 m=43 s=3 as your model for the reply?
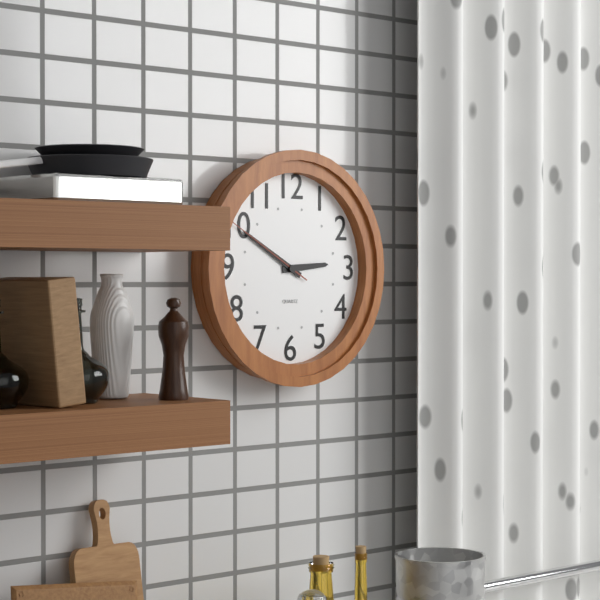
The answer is h=2 m=50 s=50
